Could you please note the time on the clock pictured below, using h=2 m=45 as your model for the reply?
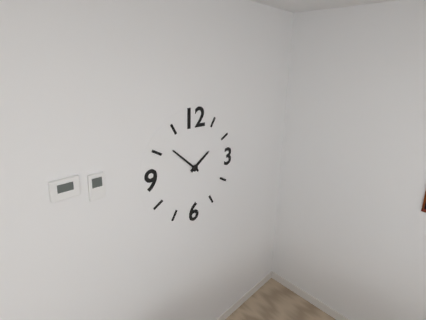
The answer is h=1 m=52
